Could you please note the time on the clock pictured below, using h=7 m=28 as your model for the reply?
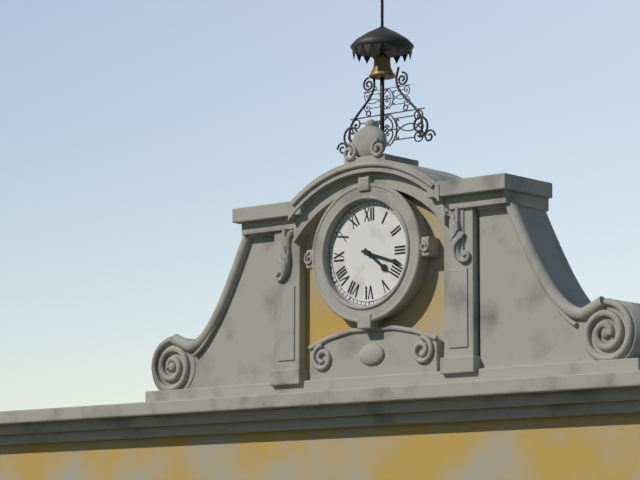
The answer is h=4 m=18
